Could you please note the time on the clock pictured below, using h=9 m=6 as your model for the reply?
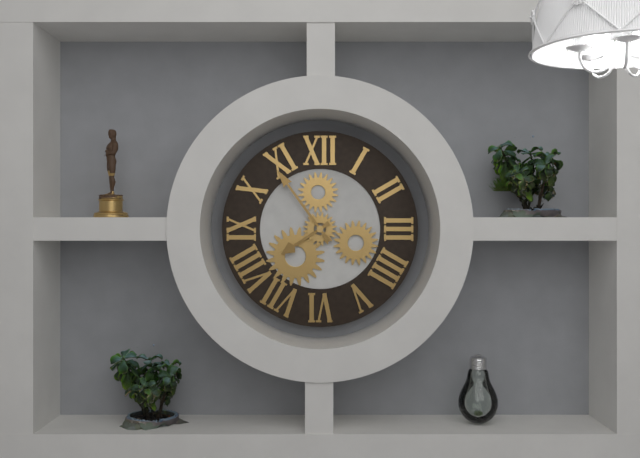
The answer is h=7 m=54
